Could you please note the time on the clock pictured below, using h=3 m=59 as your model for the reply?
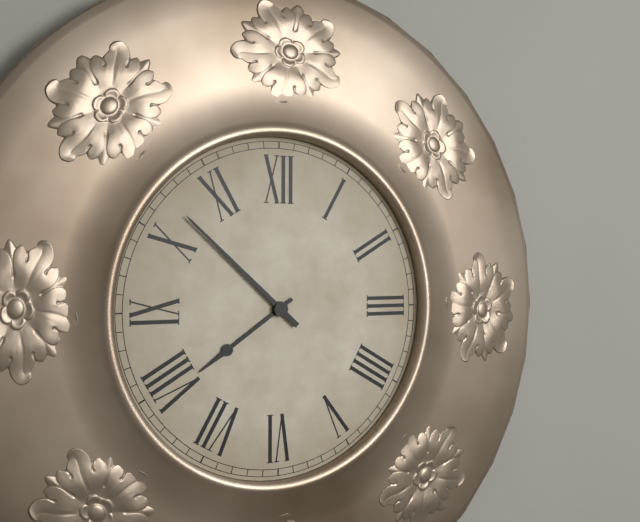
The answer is h=7 m=52
